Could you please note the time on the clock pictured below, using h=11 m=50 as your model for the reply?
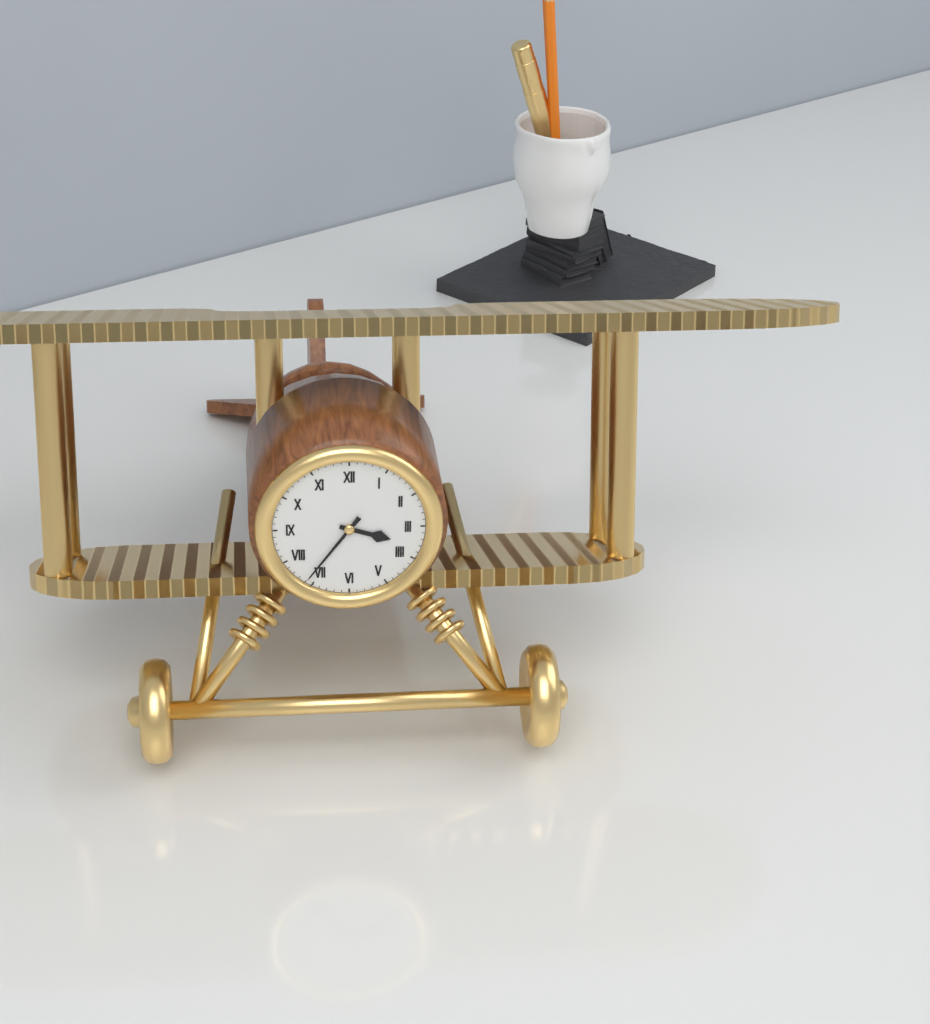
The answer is h=3 m=36
